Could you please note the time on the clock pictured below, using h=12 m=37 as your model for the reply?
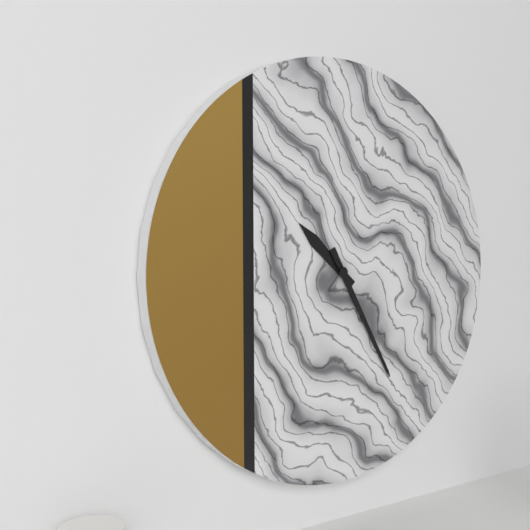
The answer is h=10 m=25
